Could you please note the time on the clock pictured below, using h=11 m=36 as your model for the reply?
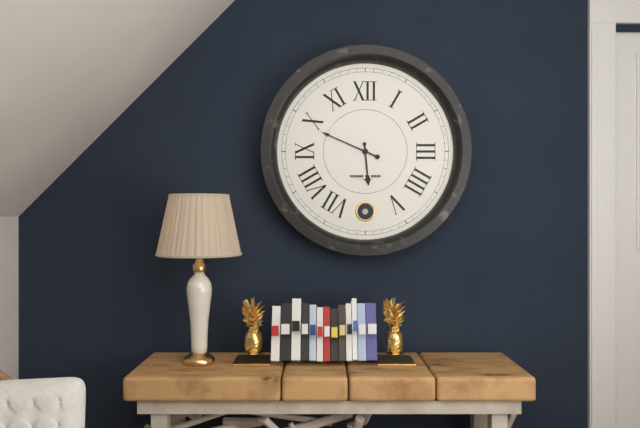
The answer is h=5 m=49
